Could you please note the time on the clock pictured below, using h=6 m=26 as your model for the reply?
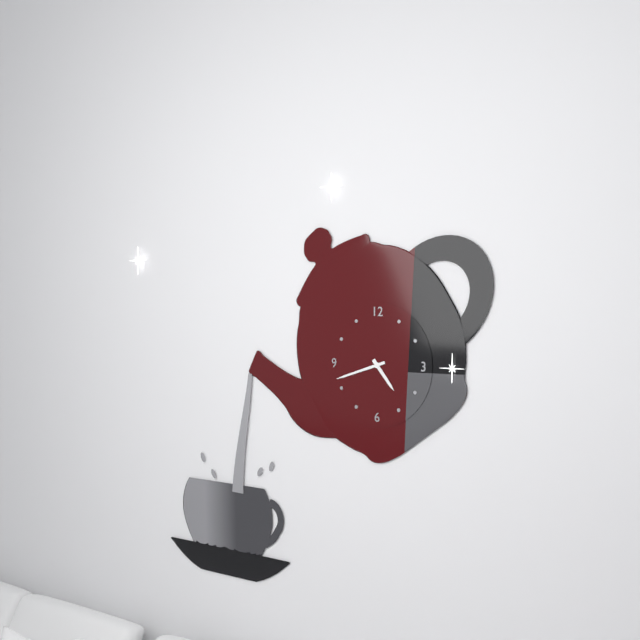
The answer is h=4 m=42
